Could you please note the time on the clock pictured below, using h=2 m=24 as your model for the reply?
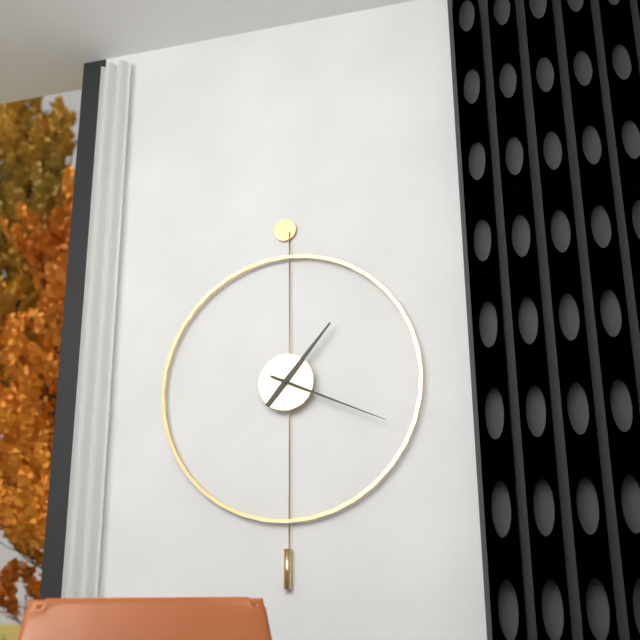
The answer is h=1 m=19
